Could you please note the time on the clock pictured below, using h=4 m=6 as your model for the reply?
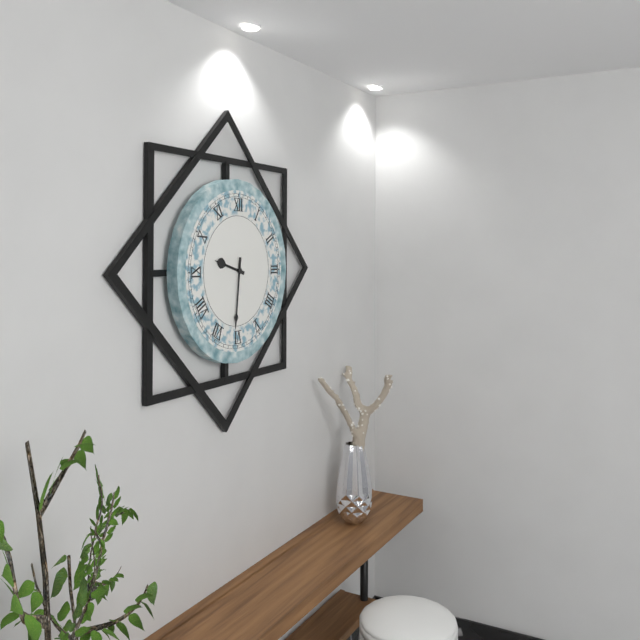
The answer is h=9 m=31
